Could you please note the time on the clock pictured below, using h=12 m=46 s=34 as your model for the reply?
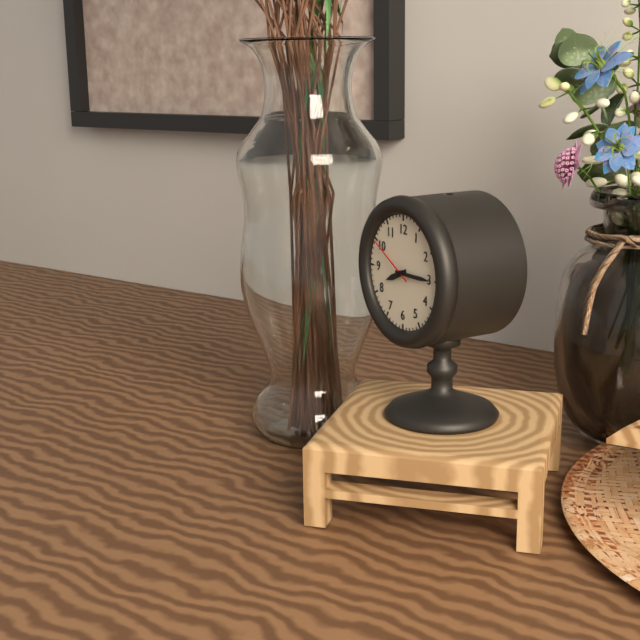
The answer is h=8 m=15 s=50
